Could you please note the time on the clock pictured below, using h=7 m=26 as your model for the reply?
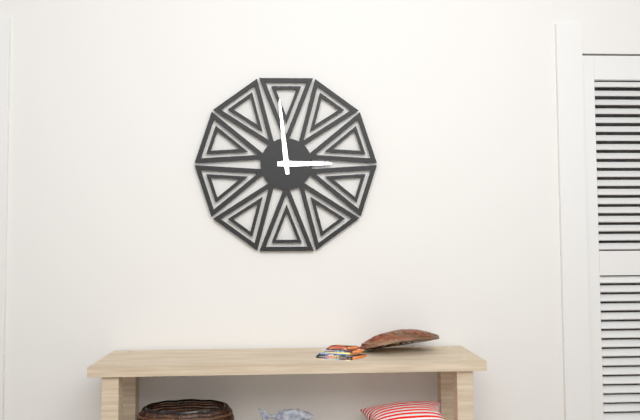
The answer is h=2 m=59
